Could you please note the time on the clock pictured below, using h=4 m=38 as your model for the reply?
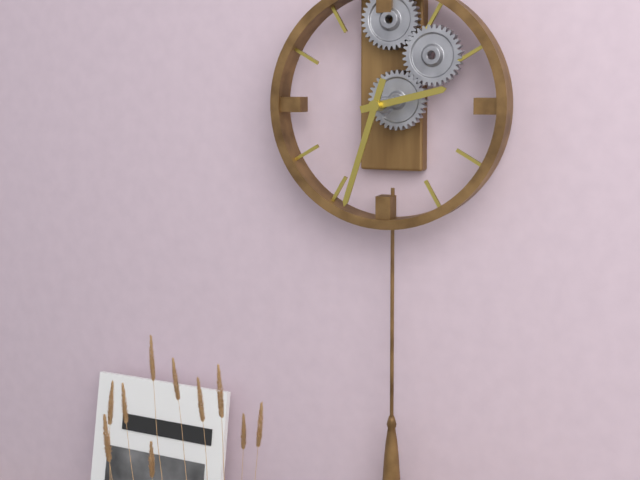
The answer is h=2 m=33
